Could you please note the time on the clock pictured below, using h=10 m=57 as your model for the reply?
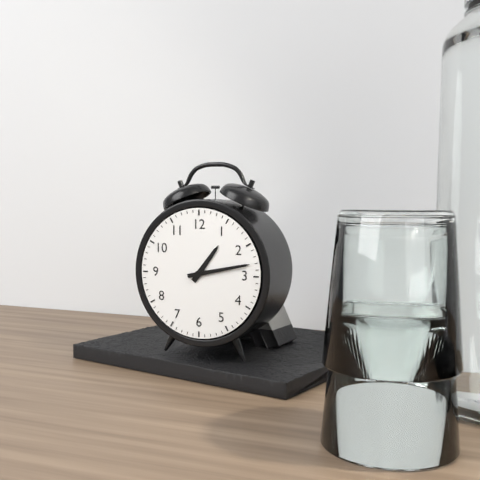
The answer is h=1 m=13
